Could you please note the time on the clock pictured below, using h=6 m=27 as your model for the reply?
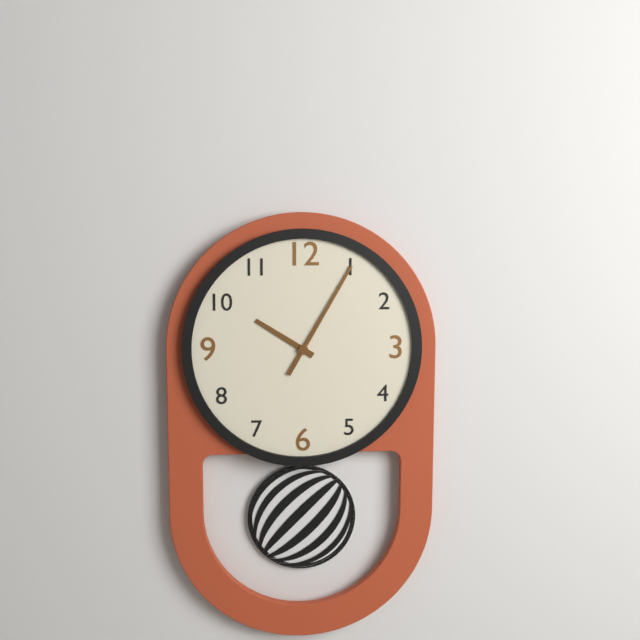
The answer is h=10 m=5
